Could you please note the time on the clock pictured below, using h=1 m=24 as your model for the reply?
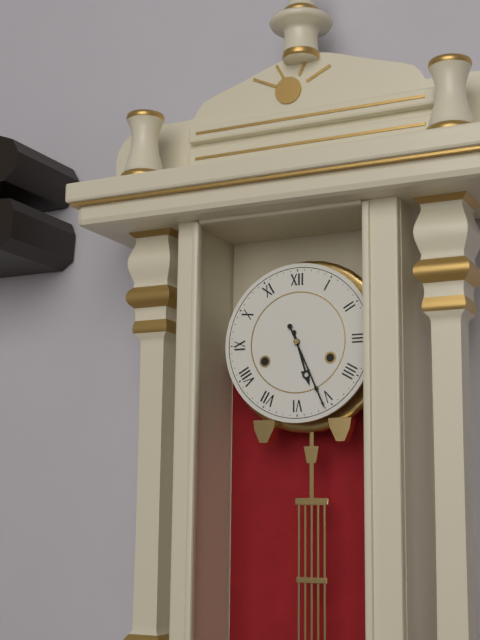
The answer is h=5 m=26
